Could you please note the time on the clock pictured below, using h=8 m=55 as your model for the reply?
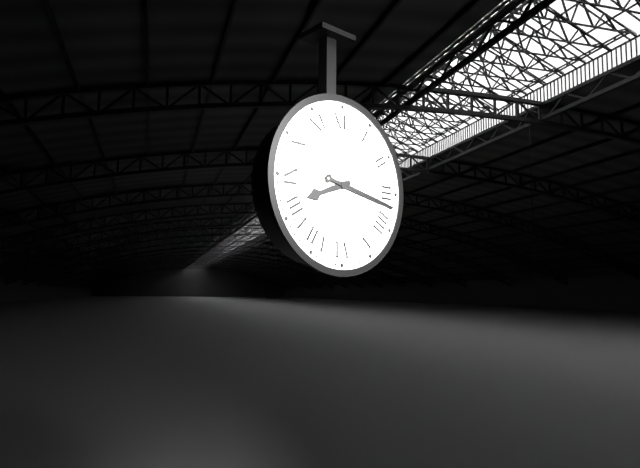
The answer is h=8 m=17
